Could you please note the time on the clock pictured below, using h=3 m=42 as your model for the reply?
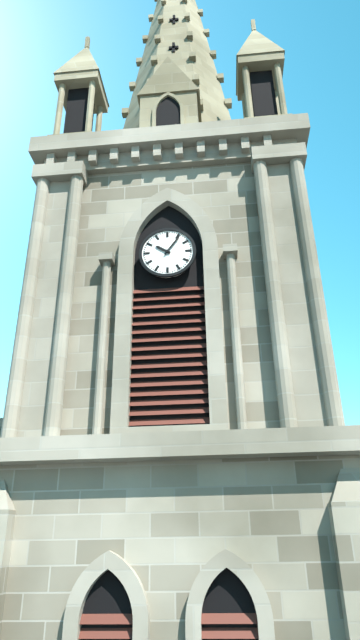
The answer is h=10 m=6
